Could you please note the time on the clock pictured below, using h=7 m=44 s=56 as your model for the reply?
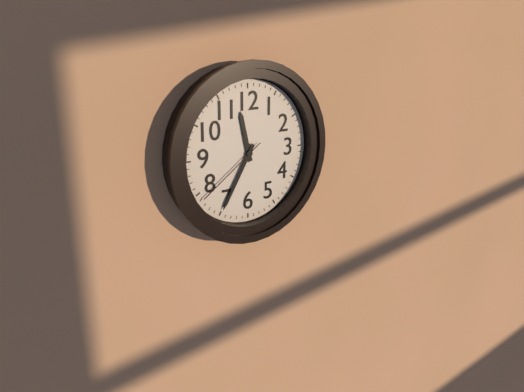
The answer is h=11 m=35 s=39
